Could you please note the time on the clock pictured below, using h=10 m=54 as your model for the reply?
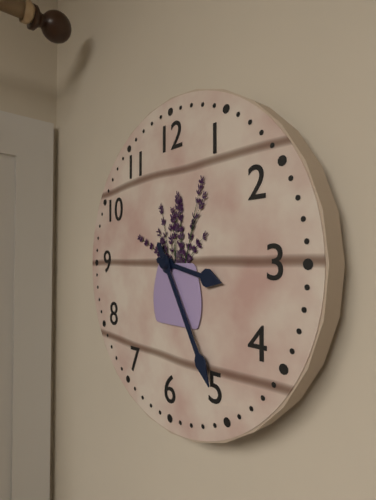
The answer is h=3 m=25
